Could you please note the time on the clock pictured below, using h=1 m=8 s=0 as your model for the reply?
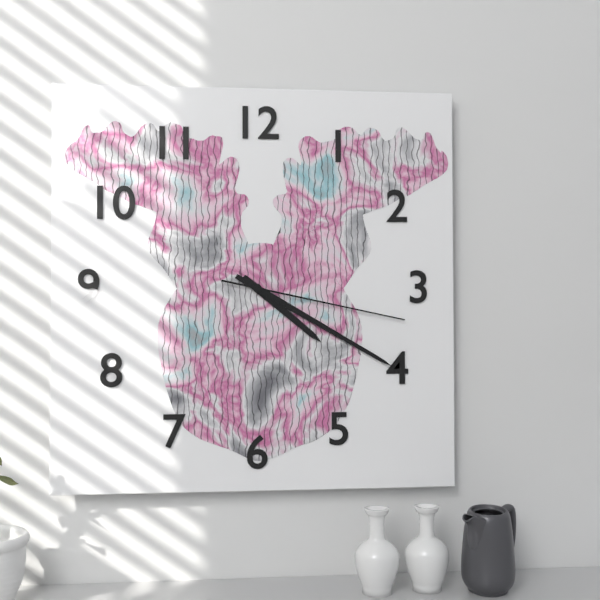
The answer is h=4 m=20 s=17
